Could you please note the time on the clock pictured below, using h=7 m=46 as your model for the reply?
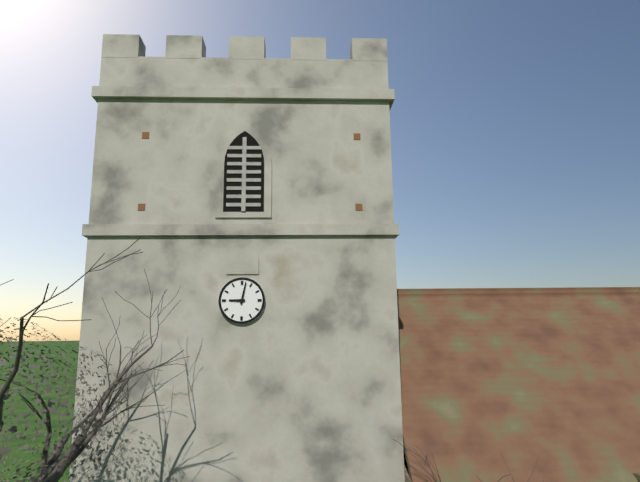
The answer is h=9 m=2
